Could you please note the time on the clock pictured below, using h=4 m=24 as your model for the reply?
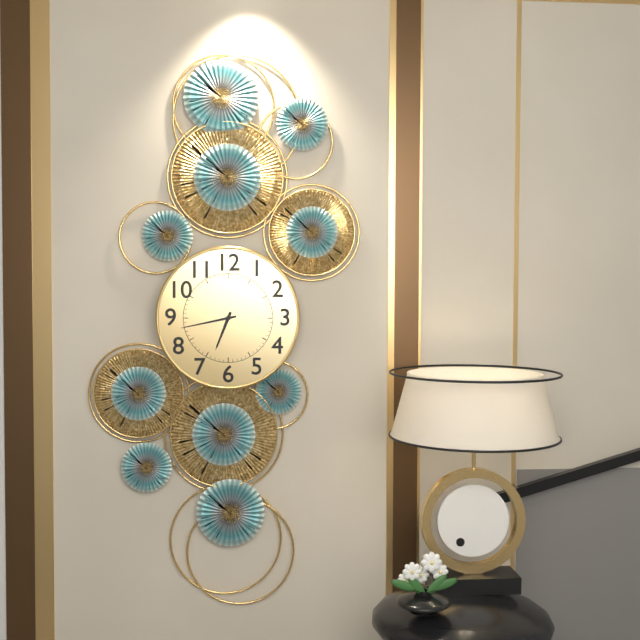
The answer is h=6 m=43
